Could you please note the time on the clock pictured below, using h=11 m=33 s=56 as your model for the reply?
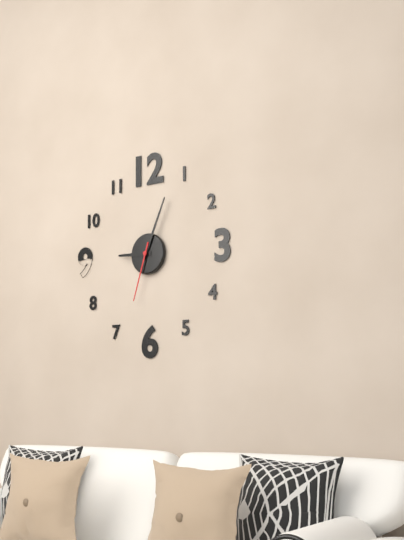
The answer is h=9 m=4 s=33
